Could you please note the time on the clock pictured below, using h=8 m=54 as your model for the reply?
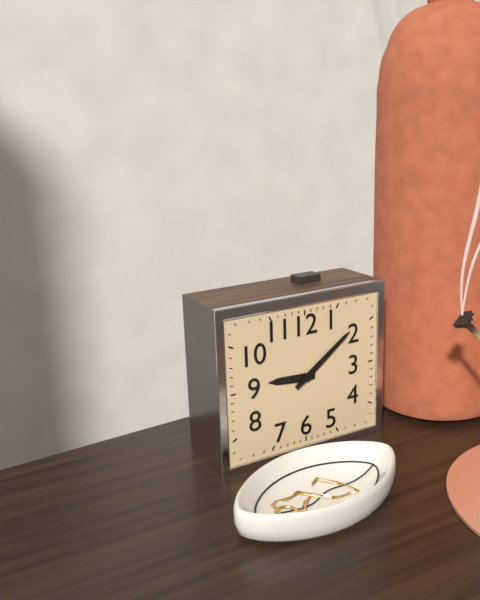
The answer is h=9 m=9
